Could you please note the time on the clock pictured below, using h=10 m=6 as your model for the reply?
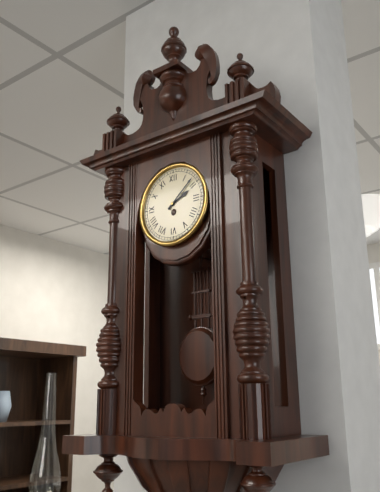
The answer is h=2 m=8
